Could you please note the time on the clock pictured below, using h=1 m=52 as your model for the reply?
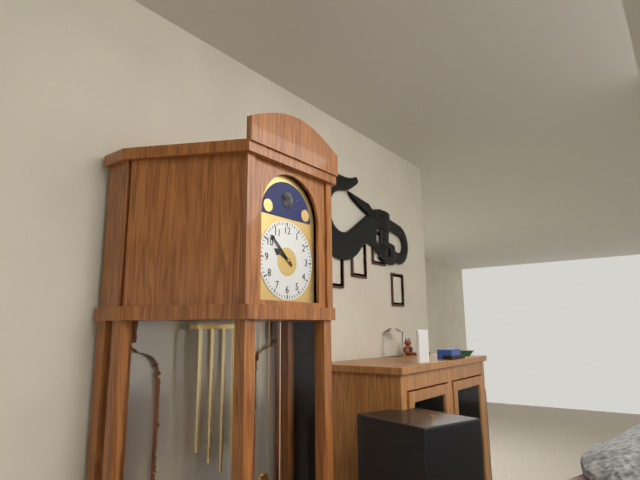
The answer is h=9 m=52
